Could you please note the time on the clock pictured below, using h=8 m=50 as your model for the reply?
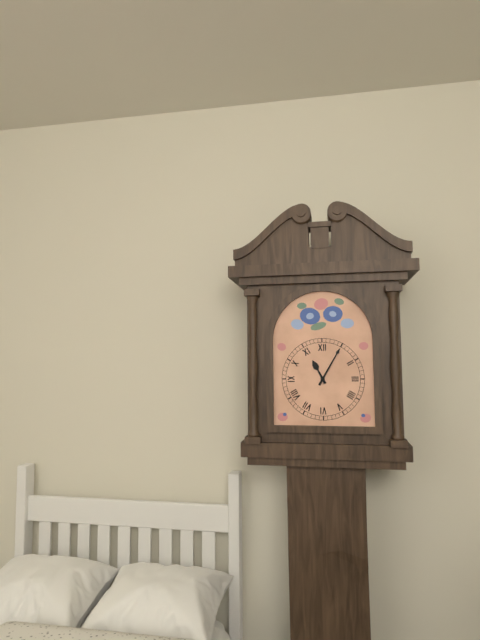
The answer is h=11 m=5
